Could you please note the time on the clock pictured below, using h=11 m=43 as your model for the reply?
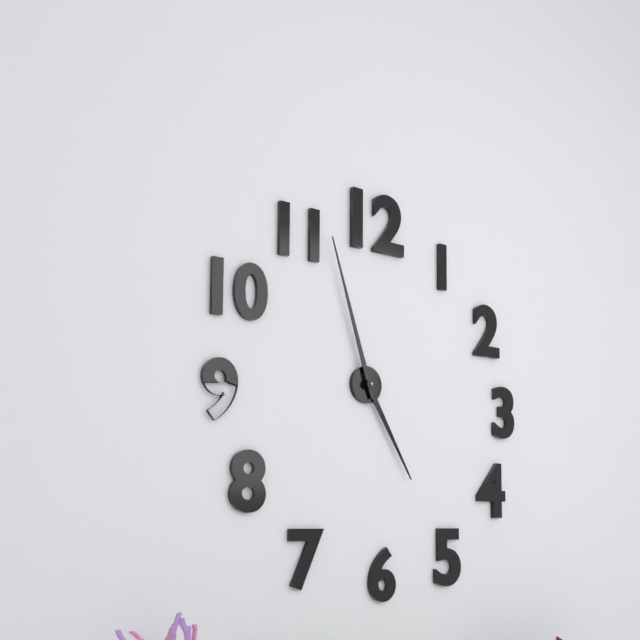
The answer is h=4 m=57
